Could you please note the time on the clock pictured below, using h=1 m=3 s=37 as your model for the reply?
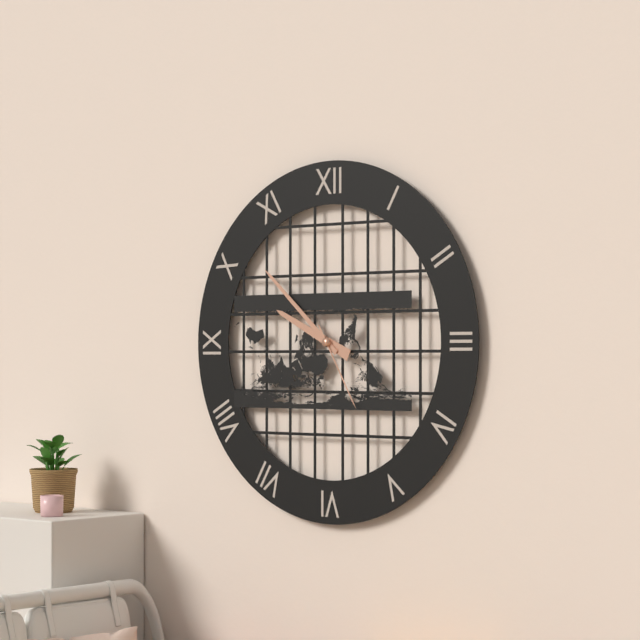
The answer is h=9 m=52 s=25
